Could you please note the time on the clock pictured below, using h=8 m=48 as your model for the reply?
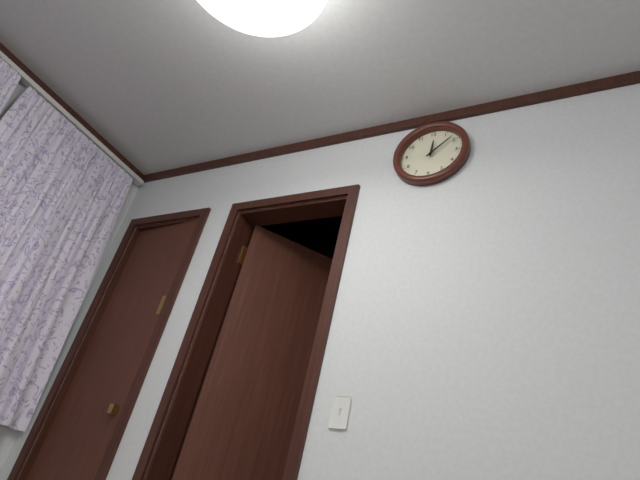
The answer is h=12 m=8
